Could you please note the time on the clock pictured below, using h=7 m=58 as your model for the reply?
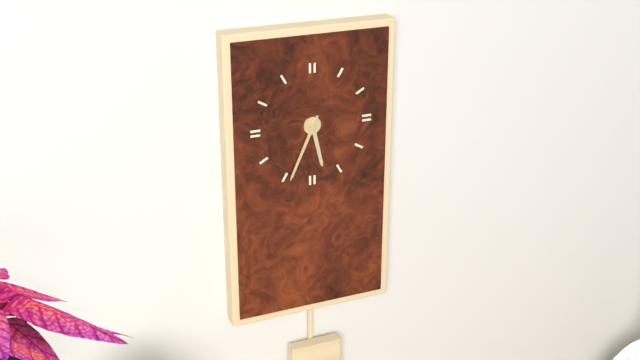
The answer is h=5 m=34
